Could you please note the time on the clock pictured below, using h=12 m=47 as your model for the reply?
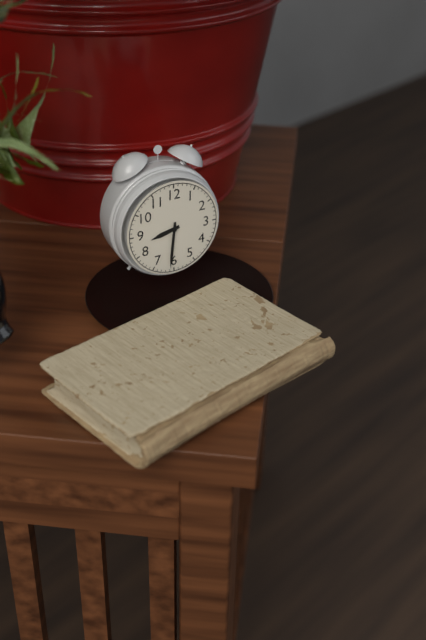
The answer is h=8 m=31
